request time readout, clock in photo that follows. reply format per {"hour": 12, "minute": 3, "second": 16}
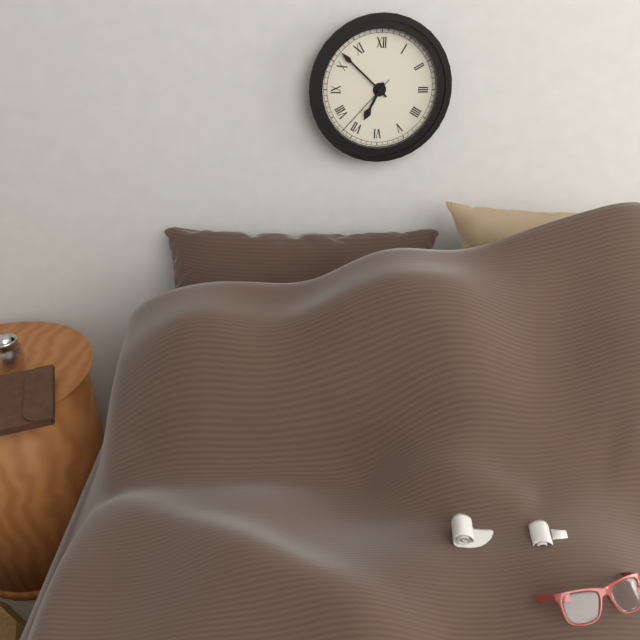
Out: {"hour": 6, "minute": 52, "second": 37}
